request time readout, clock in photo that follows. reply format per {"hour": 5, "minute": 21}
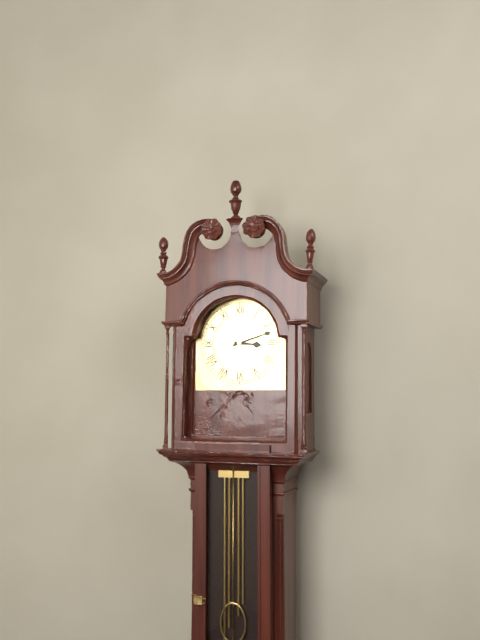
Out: {"hour": 3, "minute": 12}
